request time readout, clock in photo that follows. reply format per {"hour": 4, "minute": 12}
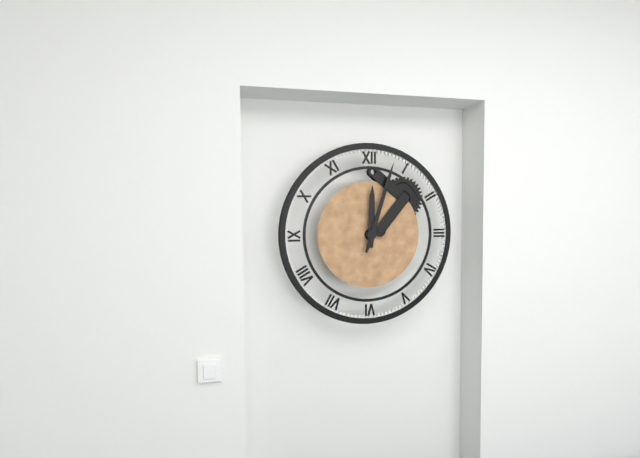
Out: {"hour": 12, "minute": 3}
